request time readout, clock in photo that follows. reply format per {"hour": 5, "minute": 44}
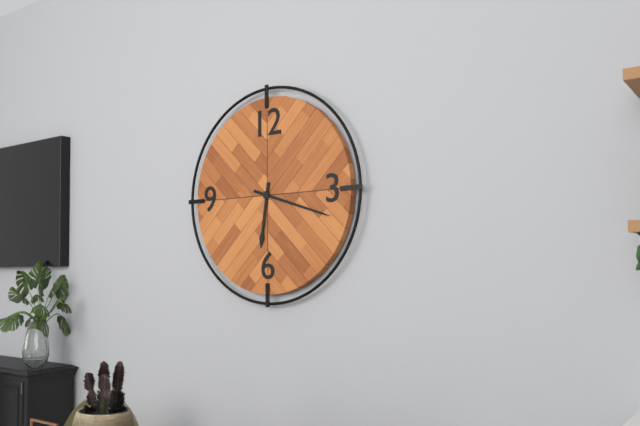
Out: {"hour": 6, "minute": 18}
